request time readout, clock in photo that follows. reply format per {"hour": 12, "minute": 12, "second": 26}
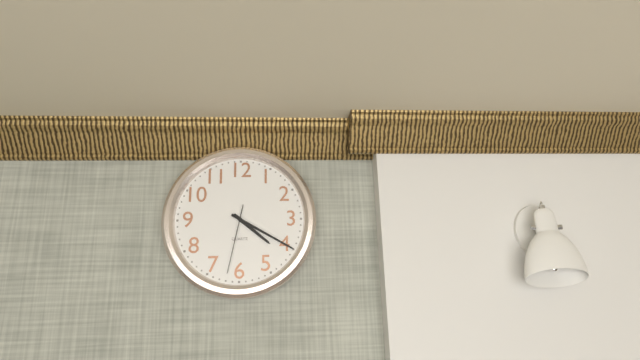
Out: {"hour": 4, "minute": 20, "second": 32}
